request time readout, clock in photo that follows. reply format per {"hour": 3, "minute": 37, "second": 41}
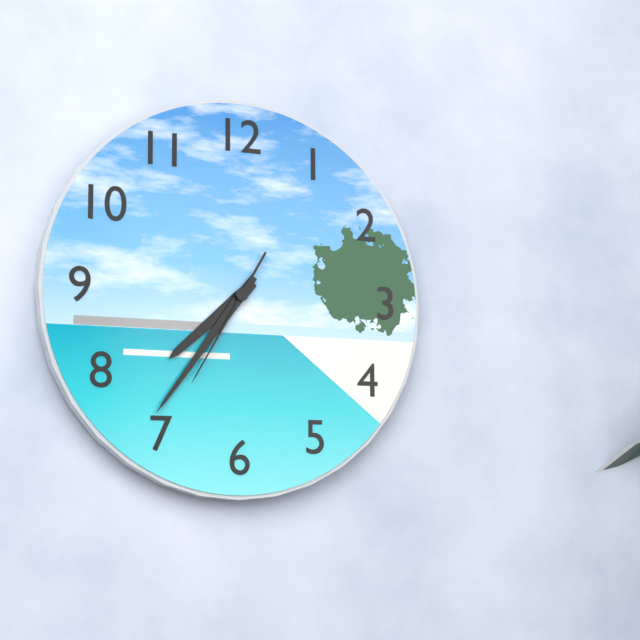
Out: {"hour": 7, "minute": 36, "second": 35}
